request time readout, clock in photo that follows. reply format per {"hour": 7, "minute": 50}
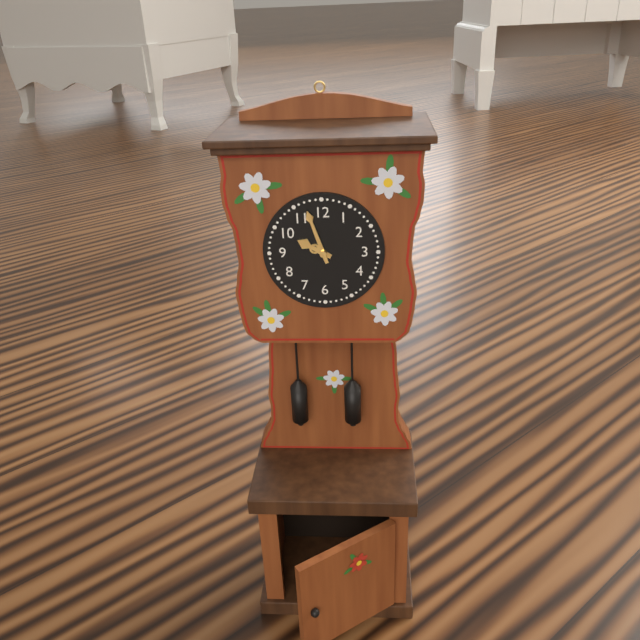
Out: {"hour": 9, "minute": 57}
